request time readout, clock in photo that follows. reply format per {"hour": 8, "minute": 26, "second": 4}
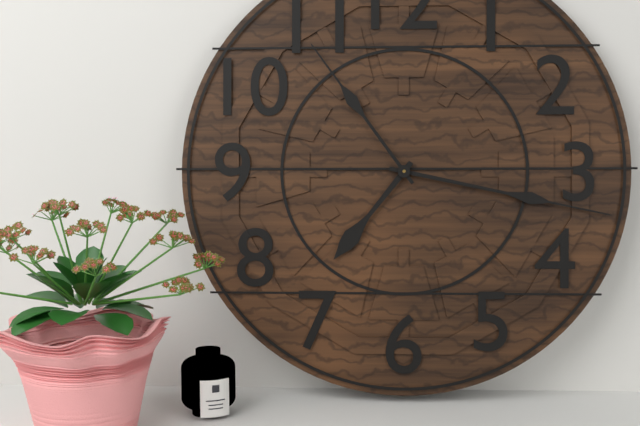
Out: {"hour": 7, "minute": 17, "second": 54}
